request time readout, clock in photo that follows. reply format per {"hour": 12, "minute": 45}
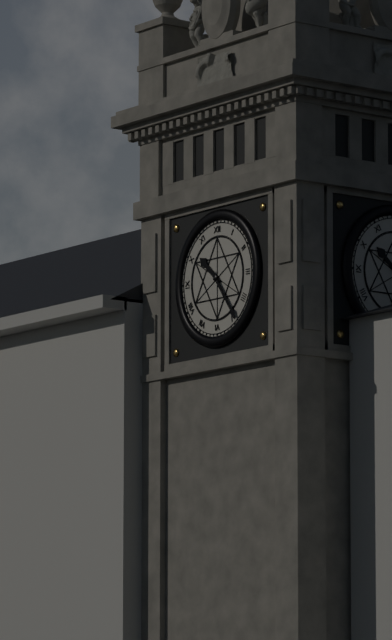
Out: {"hour": 10, "minute": 24}
